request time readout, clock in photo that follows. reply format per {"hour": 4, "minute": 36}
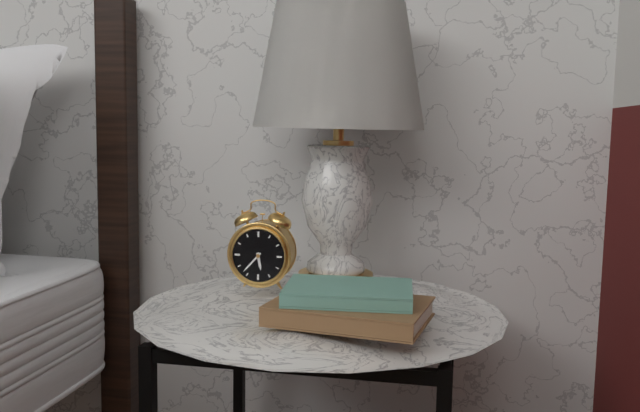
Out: {"hour": 5, "minute": 37}
